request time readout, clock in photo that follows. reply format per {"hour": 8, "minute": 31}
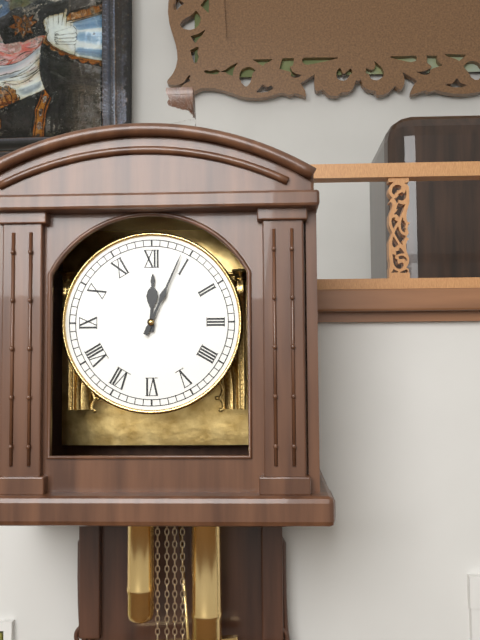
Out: {"hour": 12, "minute": 4}
